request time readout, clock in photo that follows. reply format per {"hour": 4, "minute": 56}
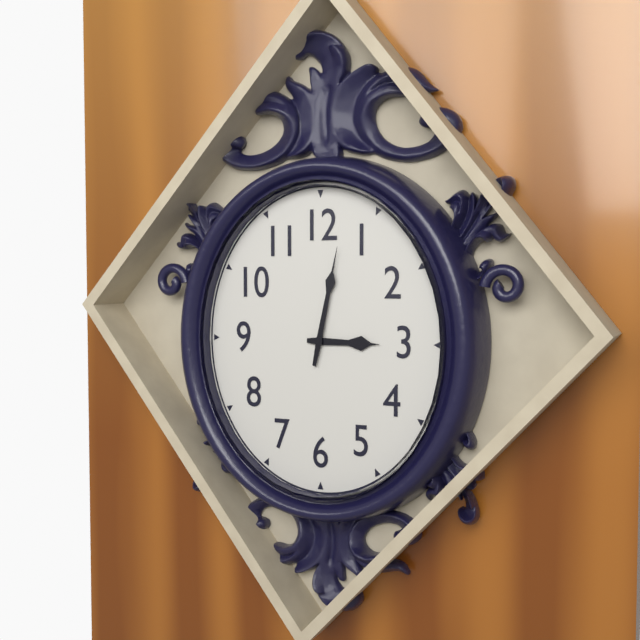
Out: {"hour": 3, "minute": 2}
